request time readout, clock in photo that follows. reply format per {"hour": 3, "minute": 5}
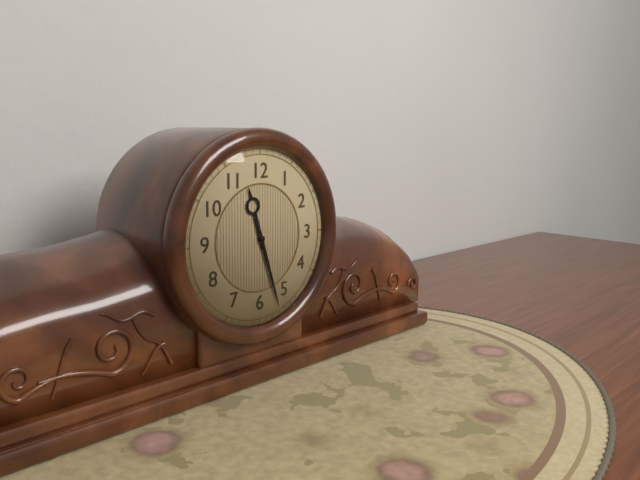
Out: {"hour": 11, "minute": 27}
